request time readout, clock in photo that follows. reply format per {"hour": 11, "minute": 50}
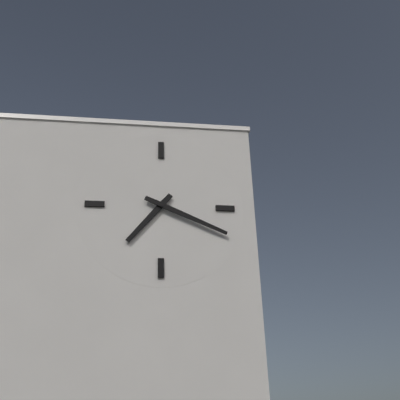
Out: {"hour": 7, "minute": 19}
